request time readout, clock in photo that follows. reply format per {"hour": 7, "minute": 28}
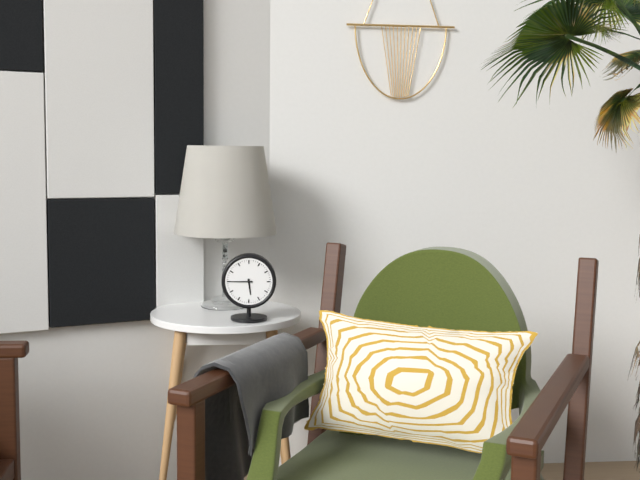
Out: {"hour": 5, "minute": 45}
